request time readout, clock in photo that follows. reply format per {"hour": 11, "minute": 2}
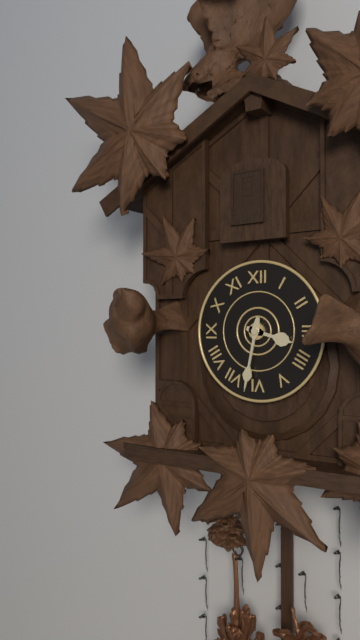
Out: {"hour": 3, "minute": 32}
